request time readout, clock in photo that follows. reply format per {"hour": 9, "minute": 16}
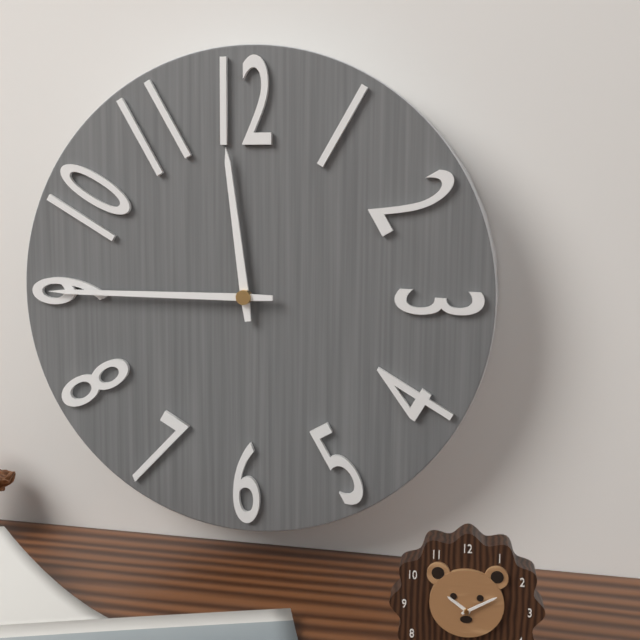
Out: {"hour": 11, "minute": 45}
